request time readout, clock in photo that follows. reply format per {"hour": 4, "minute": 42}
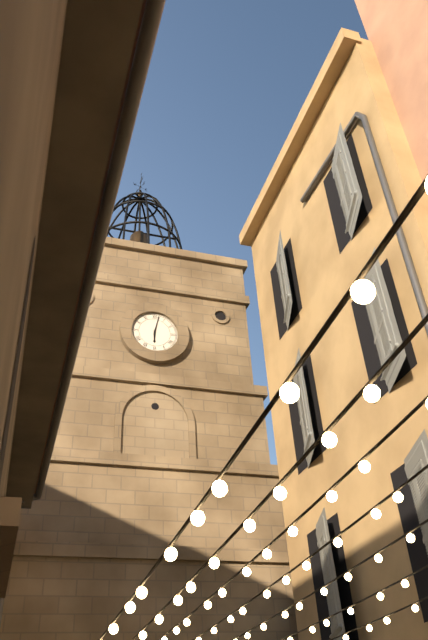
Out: {"hour": 6, "minute": 2}
